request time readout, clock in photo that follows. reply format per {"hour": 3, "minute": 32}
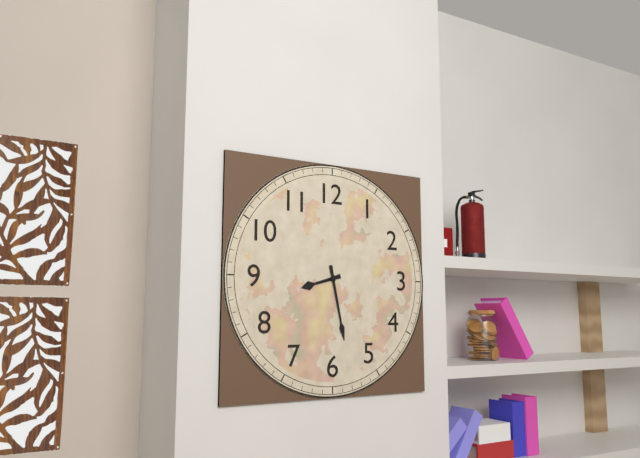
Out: {"hour": 8, "minute": 28}
